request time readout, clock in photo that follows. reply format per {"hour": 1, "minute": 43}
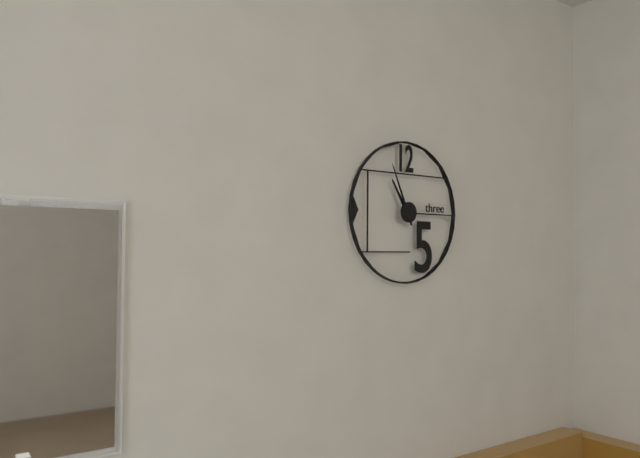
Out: {"hour": 10, "minute": 56}
